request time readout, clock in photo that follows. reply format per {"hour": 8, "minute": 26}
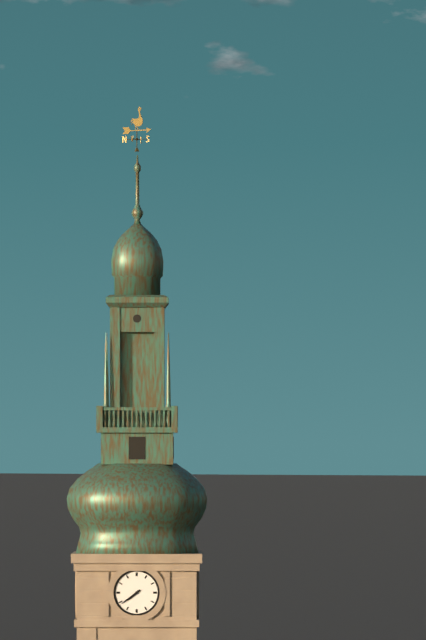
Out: {"hour": 7, "minute": 39}
